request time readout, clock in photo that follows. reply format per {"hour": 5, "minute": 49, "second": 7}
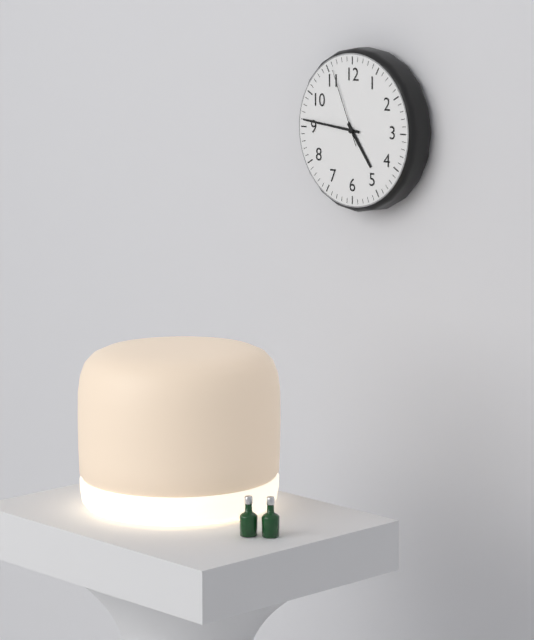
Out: {"hour": 4, "minute": 46, "second": 56}
